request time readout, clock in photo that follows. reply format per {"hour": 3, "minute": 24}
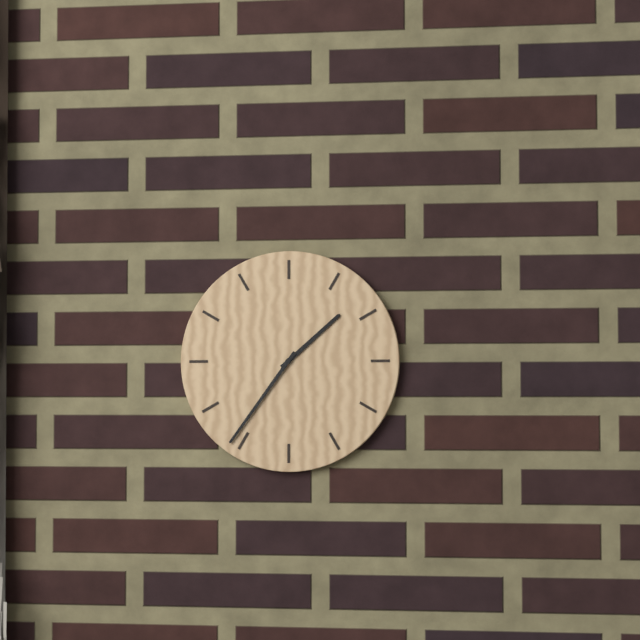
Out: {"hour": 1, "minute": 36}
